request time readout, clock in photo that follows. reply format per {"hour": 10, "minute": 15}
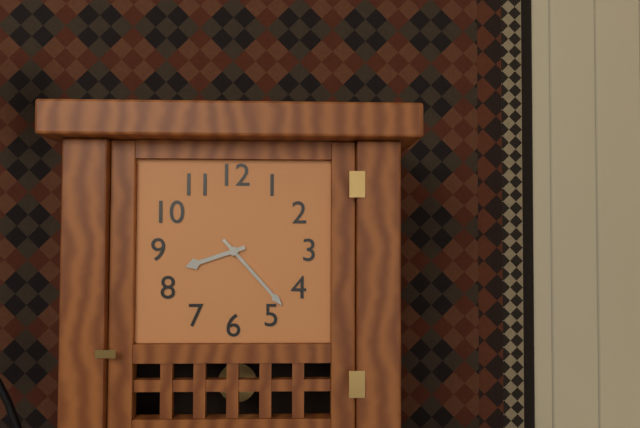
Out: {"hour": 8, "minute": 23}
